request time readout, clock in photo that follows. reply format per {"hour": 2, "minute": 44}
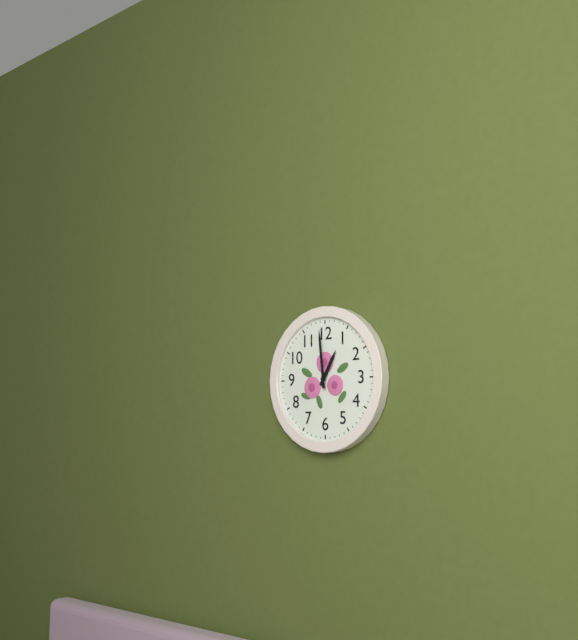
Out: {"hour": 12, "minute": 59}
